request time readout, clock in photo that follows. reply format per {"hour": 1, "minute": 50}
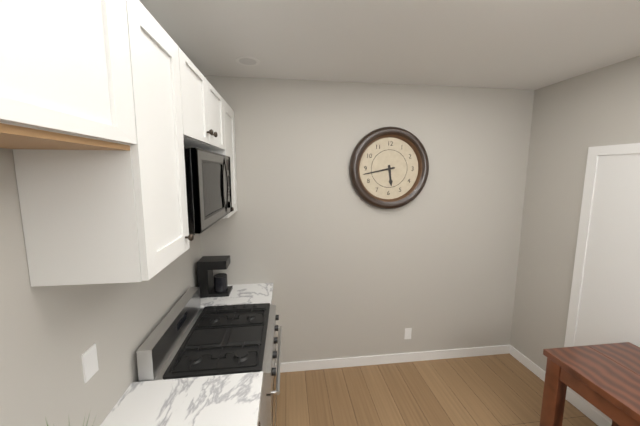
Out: {"hour": 5, "minute": 43}
